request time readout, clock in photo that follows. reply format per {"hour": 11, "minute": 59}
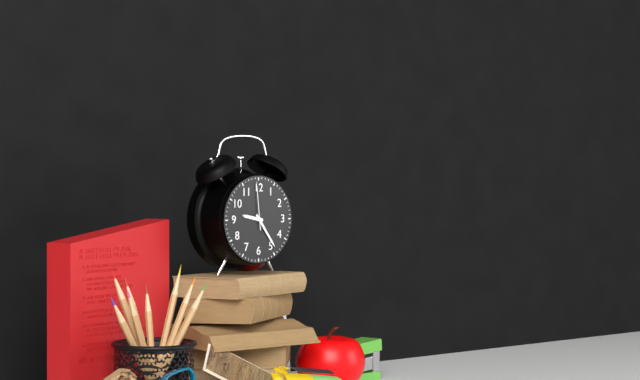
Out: {"hour": 9, "minute": 24}
